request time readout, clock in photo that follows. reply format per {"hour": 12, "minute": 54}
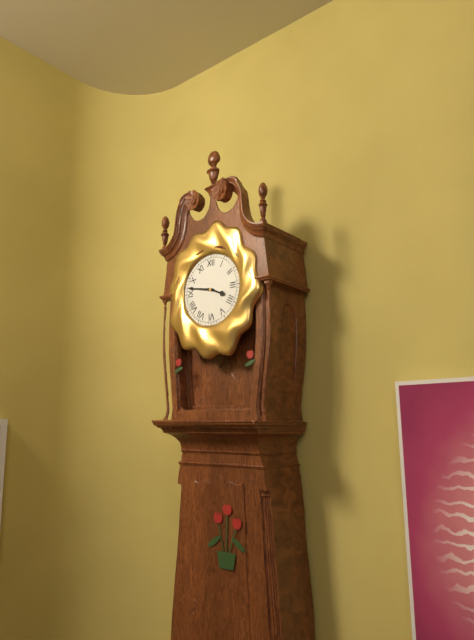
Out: {"hour": 3, "minute": 47}
